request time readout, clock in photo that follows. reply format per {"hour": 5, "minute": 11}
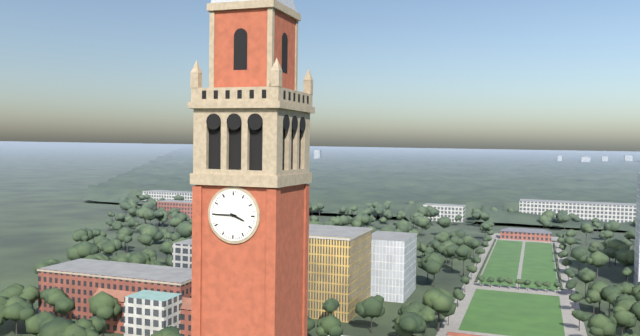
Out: {"hour": 3, "minute": 45}
